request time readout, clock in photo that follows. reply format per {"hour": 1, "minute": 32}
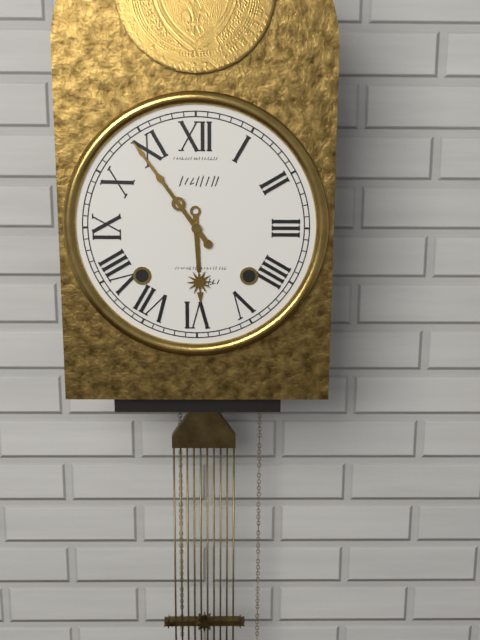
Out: {"hour": 5, "minute": 54}
